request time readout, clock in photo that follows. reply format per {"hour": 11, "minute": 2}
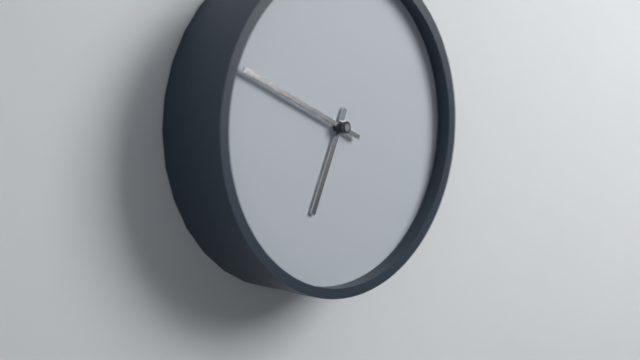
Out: {"hour": 6, "minute": 49}
